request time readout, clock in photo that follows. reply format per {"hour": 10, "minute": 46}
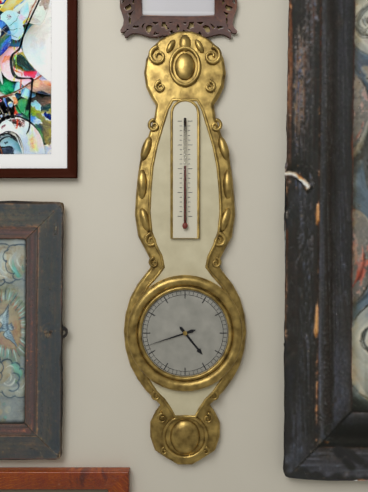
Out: {"hour": 4, "minute": 42}
